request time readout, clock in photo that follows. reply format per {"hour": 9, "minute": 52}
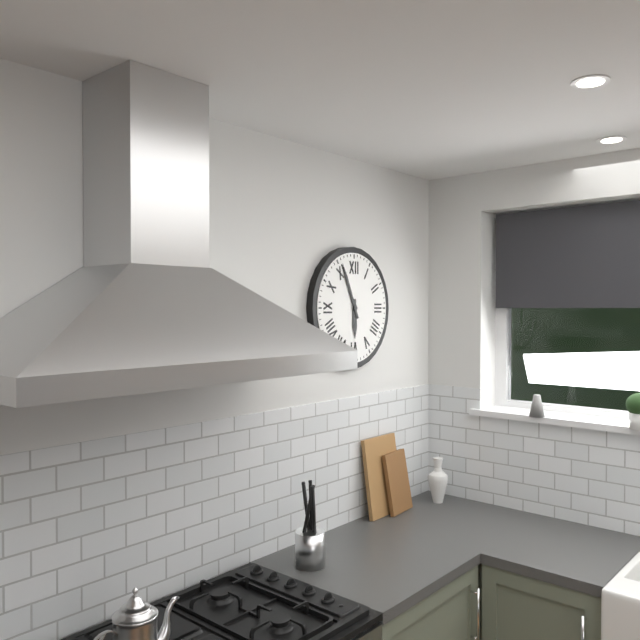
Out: {"hour": 5, "minute": 56}
